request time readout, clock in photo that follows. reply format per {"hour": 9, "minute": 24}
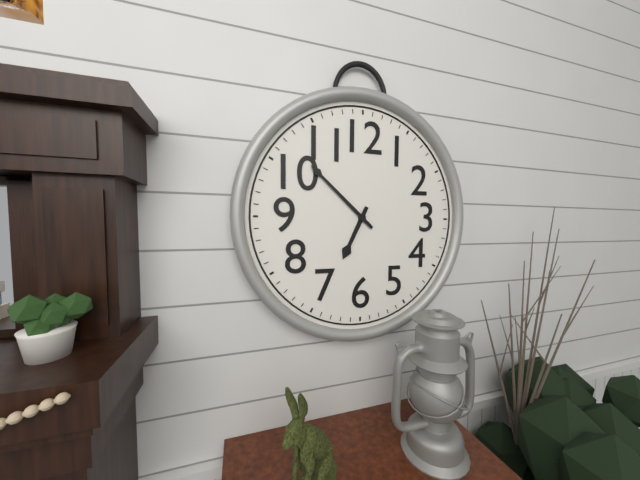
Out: {"hour": 6, "minute": 52}
